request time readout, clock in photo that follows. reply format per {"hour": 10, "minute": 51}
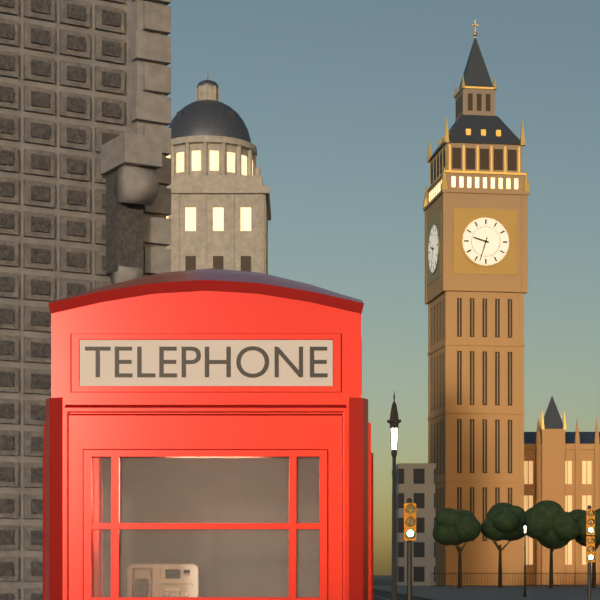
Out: {"hour": 9, "minute": 33}
